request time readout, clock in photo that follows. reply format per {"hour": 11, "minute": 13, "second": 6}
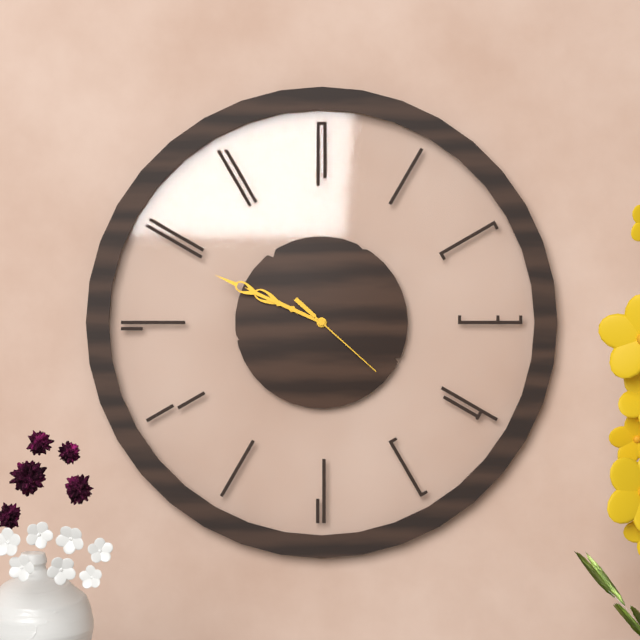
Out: {"hour": 9, "minute": 49, "second": 22}
